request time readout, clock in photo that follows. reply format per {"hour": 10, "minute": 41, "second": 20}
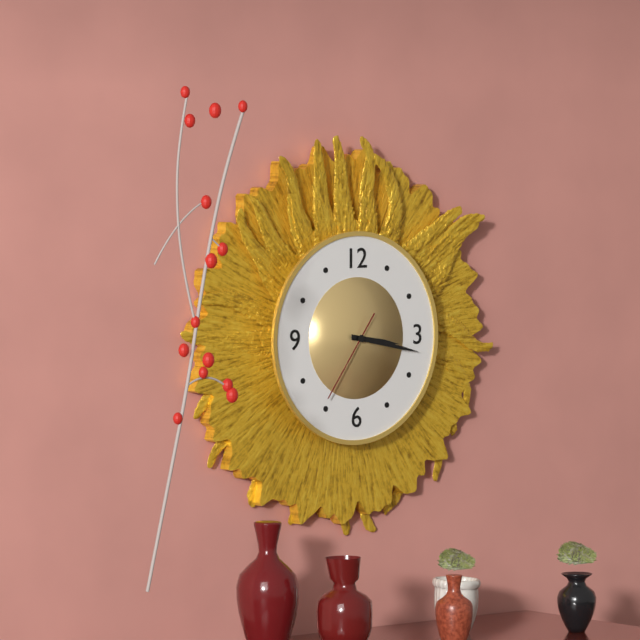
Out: {"hour": 3, "minute": 17, "second": 36}
